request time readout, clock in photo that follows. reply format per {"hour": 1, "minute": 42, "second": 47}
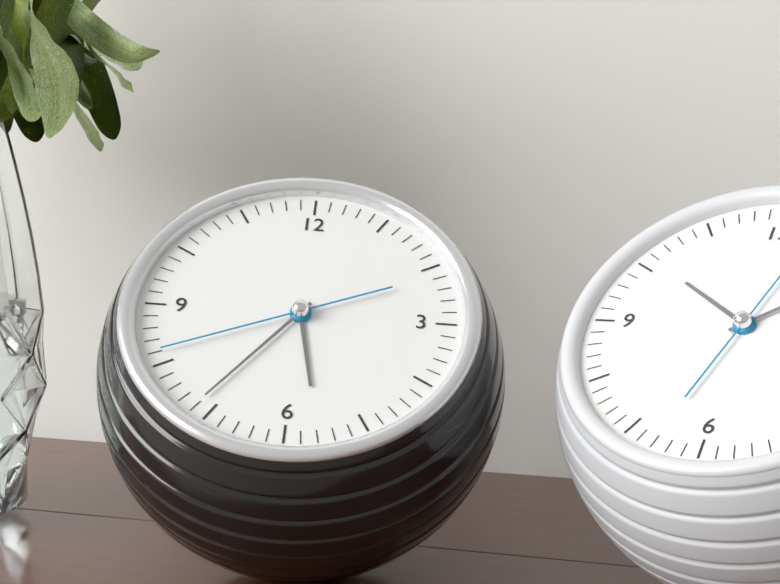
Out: {"hour": 5, "minute": 36, "second": 41}
